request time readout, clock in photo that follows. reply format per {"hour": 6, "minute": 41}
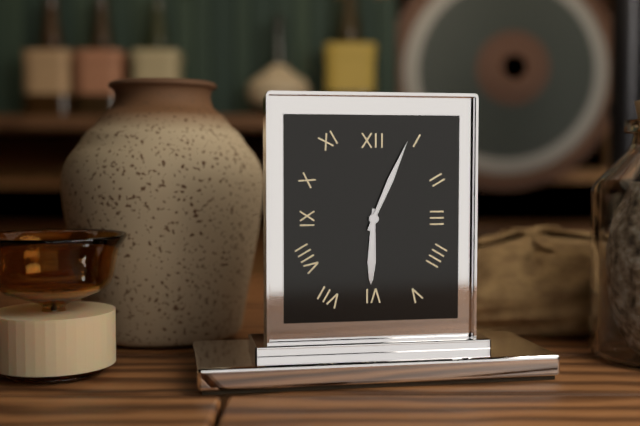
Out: {"hour": 6, "minute": 4}
